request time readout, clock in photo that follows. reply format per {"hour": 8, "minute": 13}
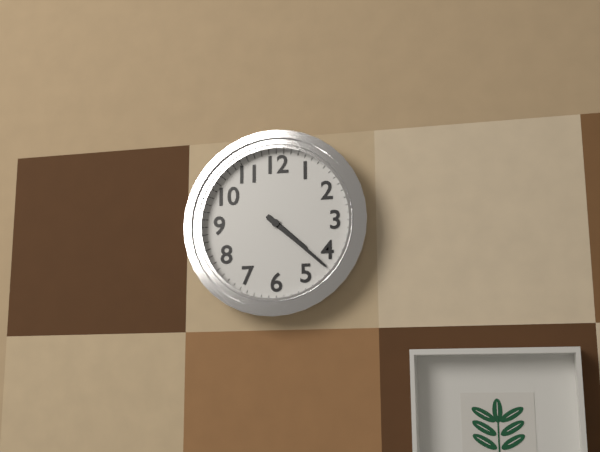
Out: {"hour": 4, "minute": 22}
